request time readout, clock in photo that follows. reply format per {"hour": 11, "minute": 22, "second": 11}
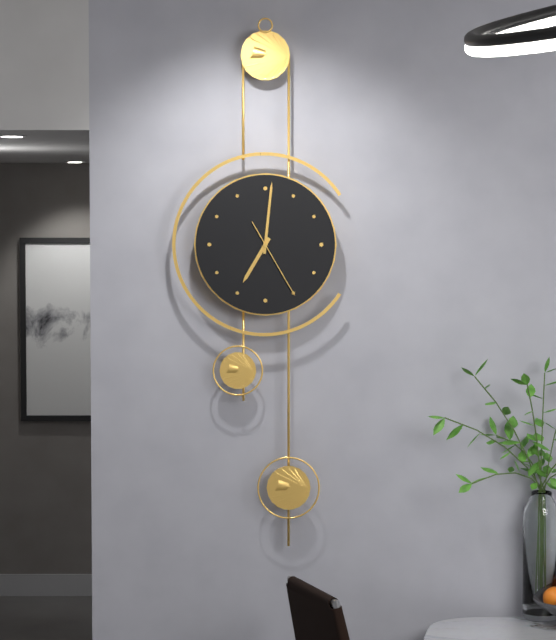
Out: {"hour": 7, "minute": 1, "second": 25}
